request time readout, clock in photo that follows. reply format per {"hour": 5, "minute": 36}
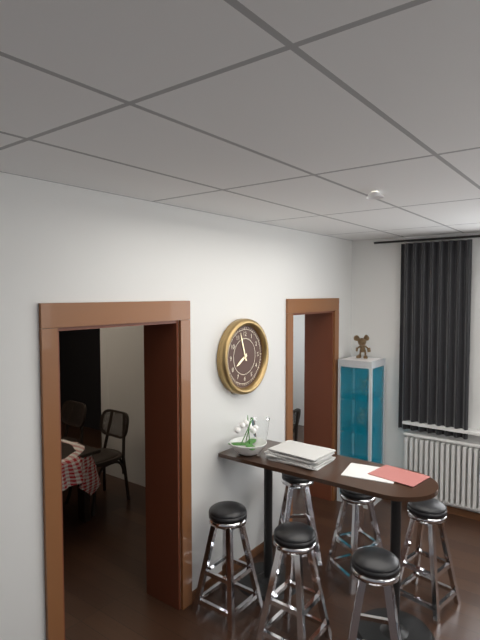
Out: {"hour": 7, "minute": 57}
